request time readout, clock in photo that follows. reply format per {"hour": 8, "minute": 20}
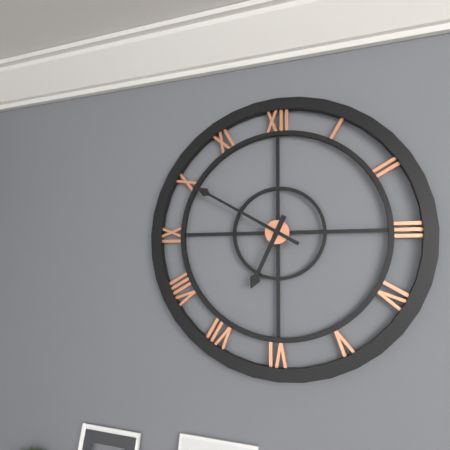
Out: {"hour": 6, "minute": 50}
